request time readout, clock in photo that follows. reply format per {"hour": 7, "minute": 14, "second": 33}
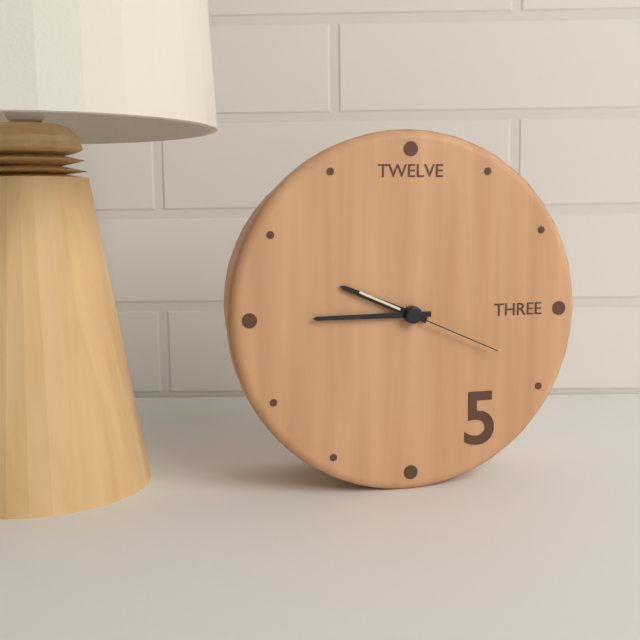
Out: {"hour": 9, "minute": 45, "second": 19}
